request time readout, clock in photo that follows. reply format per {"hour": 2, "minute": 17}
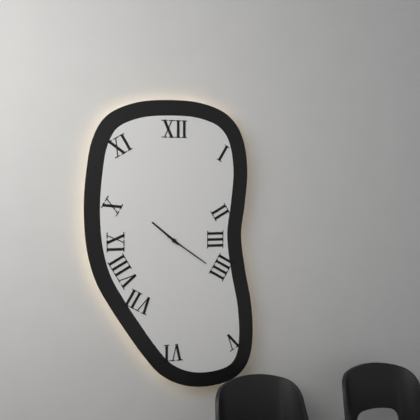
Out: {"hour": 10, "minute": 21}
